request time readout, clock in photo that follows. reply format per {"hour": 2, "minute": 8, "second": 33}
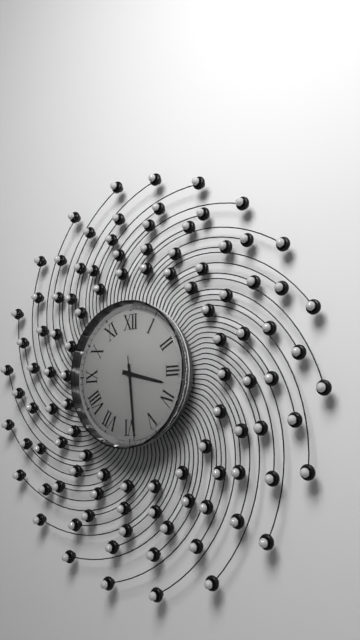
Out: {"hour": 3, "minute": 29, "second": 29}
